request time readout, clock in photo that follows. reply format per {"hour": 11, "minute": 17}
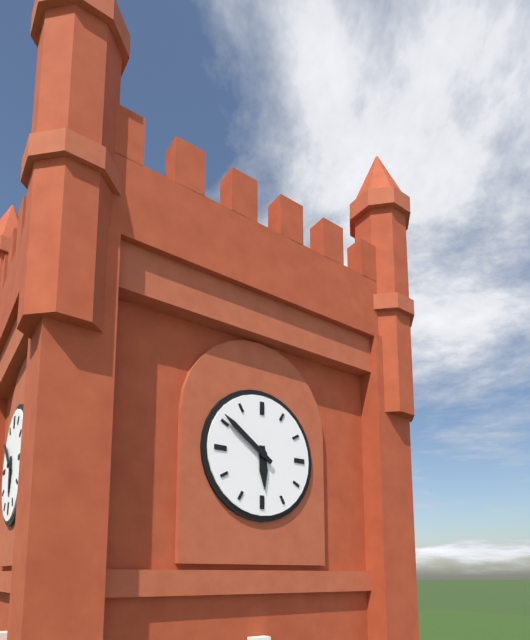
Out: {"hour": 5, "minute": 51}
